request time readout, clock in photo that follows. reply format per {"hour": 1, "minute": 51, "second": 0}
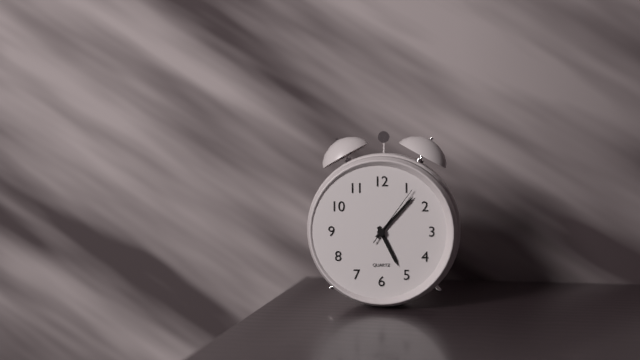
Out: {"hour": 5, "minute": 7, "second": 6}
